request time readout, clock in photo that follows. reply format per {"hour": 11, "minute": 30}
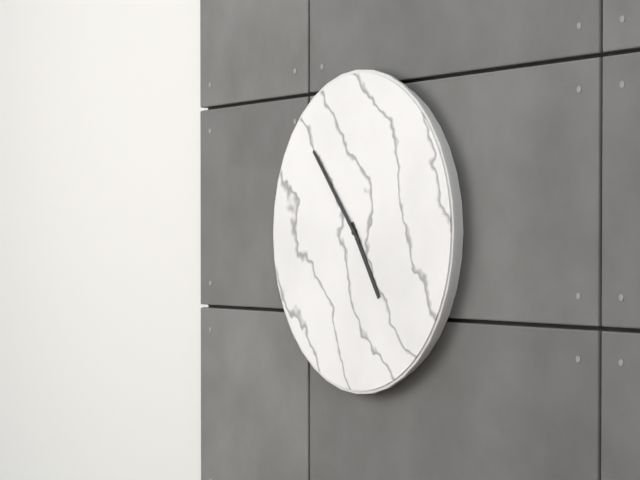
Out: {"hour": 4, "minute": 53}
